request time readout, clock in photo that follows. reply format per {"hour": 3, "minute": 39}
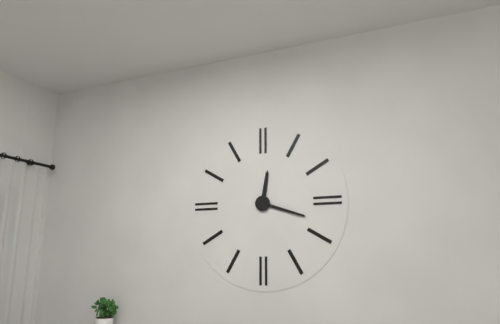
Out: {"hour": 12, "minute": 18}
